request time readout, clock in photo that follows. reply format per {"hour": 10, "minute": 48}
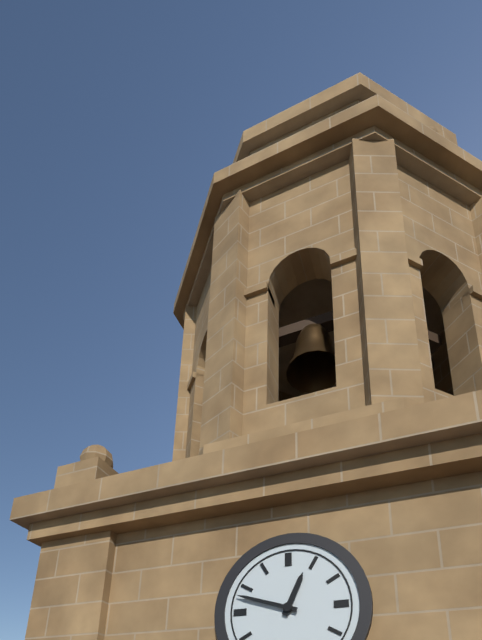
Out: {"hour": 12, "minute": 48}
